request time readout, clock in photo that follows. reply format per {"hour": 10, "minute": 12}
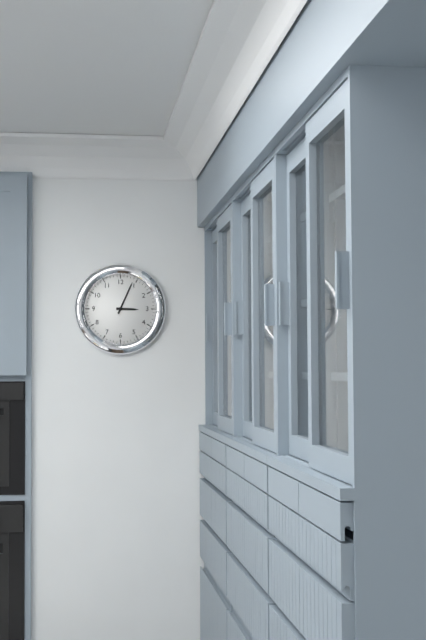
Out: {"hour": 3, "minute": 4}
